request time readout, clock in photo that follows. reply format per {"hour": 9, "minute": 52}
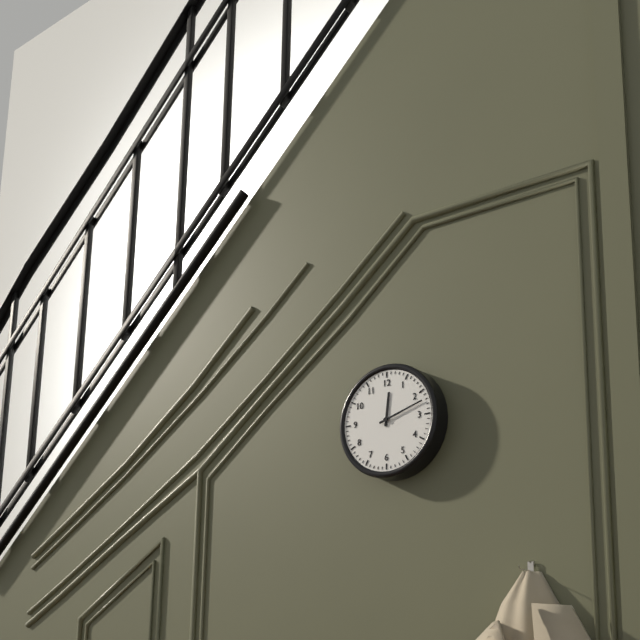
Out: {"hour": 12, "minute": 12}
